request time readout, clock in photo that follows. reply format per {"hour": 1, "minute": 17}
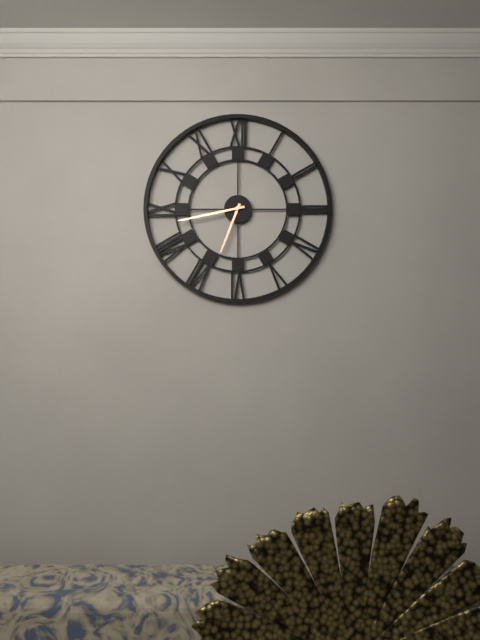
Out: {"hour": 6, "minute": 43}
